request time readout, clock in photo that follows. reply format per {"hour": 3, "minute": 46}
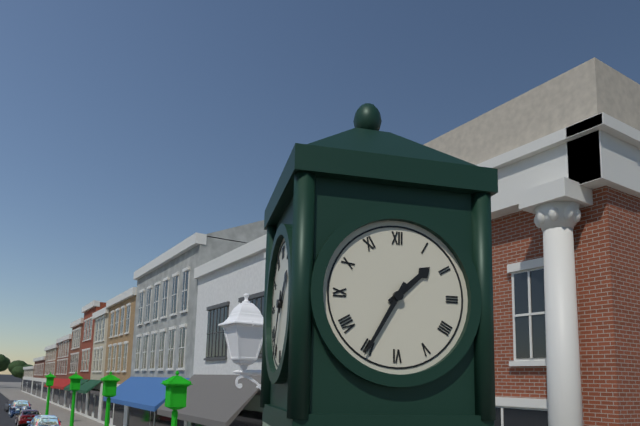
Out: {"hour": 1, "minute": 35}
